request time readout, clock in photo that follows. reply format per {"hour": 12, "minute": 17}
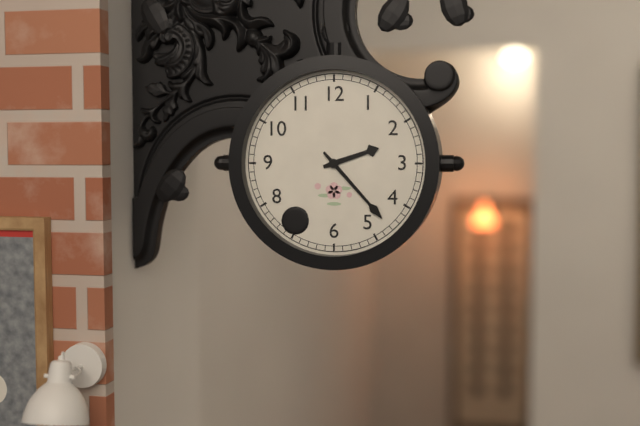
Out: {"hour": 2, "minute": 23}
